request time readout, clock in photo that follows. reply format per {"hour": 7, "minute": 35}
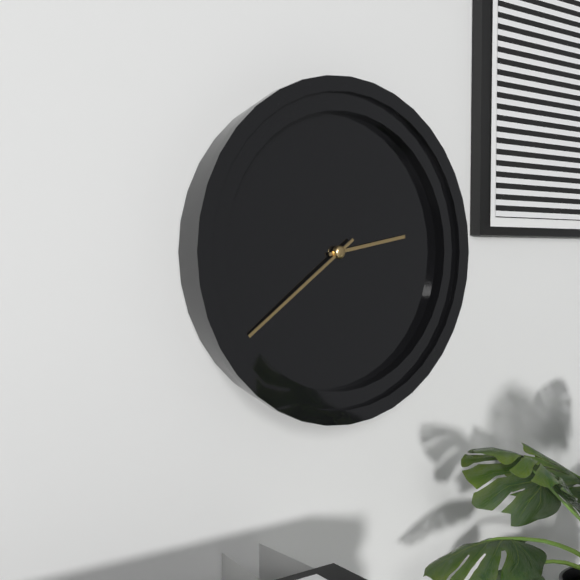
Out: {"hour": 2, "minute": 39}
